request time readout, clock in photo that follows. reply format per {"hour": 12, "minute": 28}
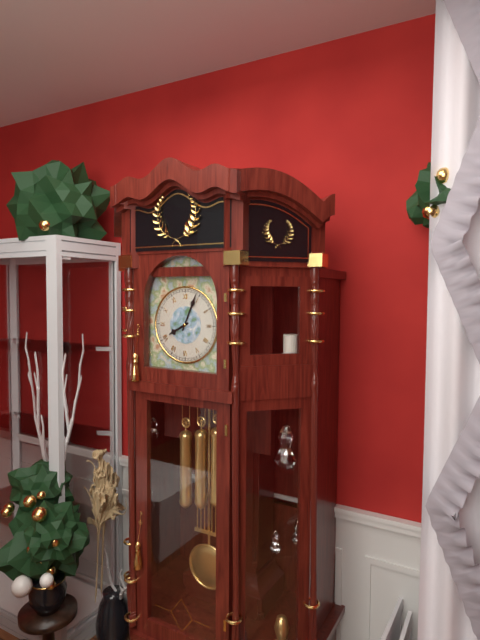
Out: {"hour": 8, "minute": 4}
